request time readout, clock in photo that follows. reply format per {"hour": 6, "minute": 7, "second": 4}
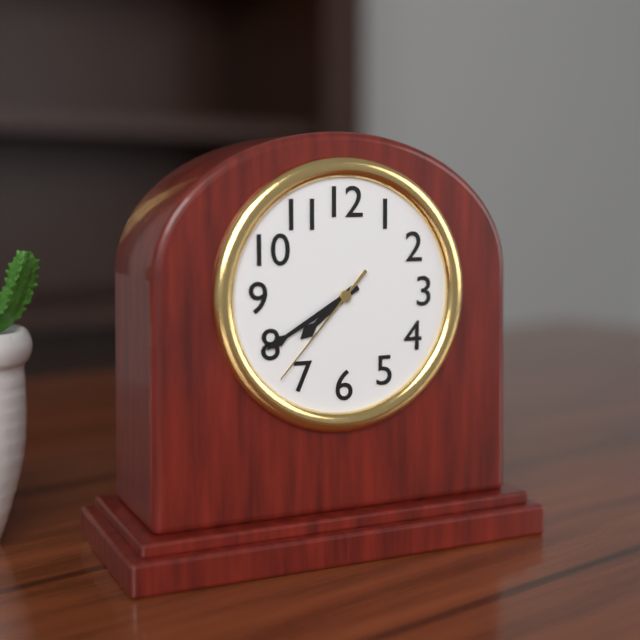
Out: {"hour": 7, "minute": 40, "second": 37}
